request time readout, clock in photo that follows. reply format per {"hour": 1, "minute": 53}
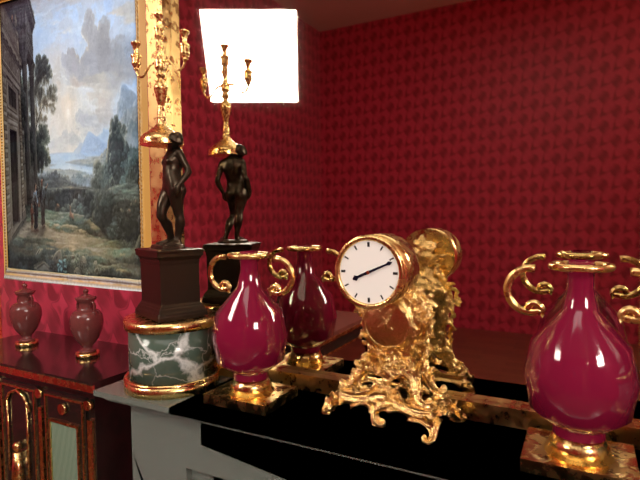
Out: {"hour": 8, "minute": 11}
